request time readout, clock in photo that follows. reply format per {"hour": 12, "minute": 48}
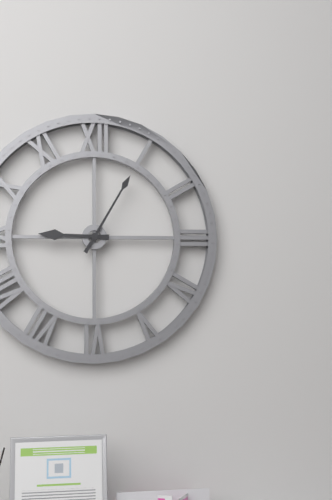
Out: {"hour": 9, "minute": 5}
